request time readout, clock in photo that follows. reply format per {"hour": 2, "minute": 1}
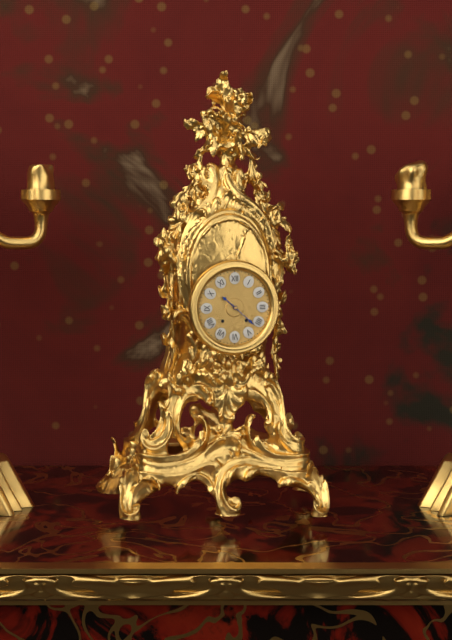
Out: {"hour": 10, "minute": 22}
